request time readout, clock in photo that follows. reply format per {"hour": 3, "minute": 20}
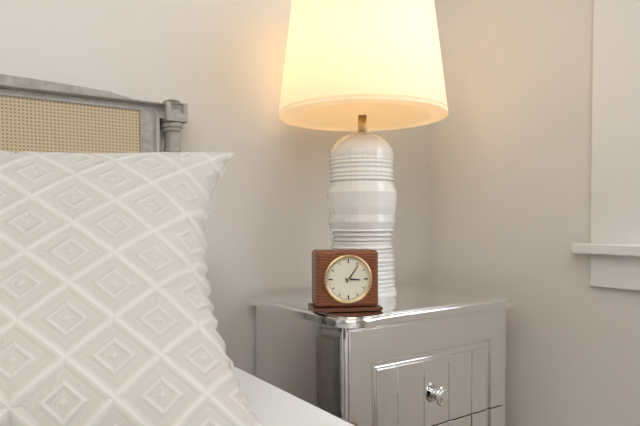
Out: {"hour": 3, "minute": 6}
